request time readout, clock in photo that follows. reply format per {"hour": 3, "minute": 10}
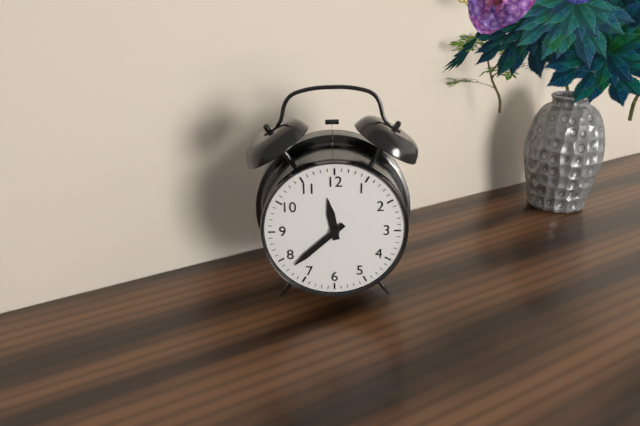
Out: {"hour": 11, "minute": 38}
